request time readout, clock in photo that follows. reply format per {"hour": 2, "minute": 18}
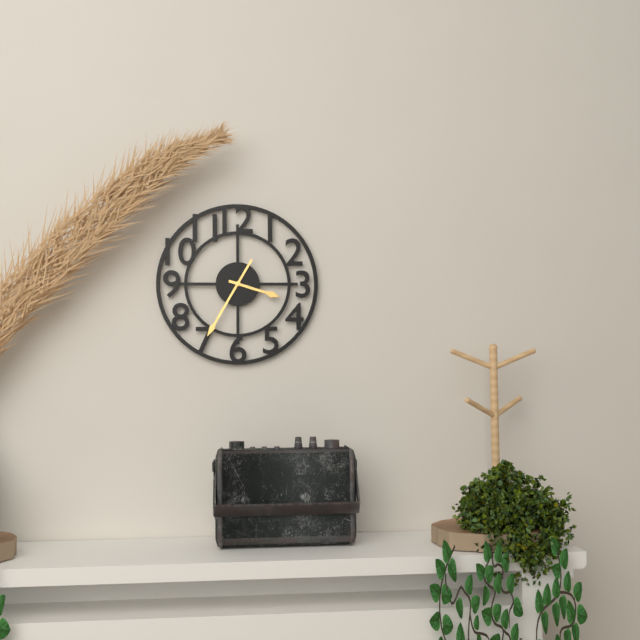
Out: {"hour": 3, "minute": 35}
